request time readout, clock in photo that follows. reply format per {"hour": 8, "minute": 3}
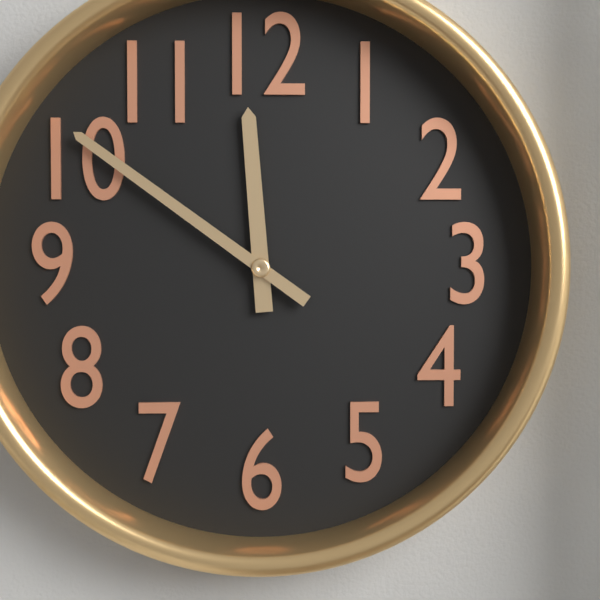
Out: {"hour": 11, "minute": 51}
